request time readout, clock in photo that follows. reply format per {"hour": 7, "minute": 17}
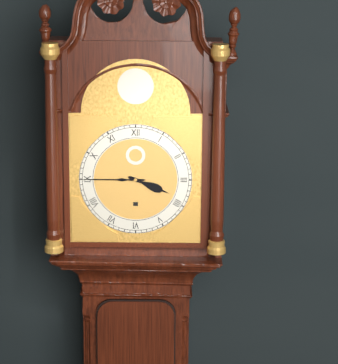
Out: {"hour": 3, "minute": 45}
